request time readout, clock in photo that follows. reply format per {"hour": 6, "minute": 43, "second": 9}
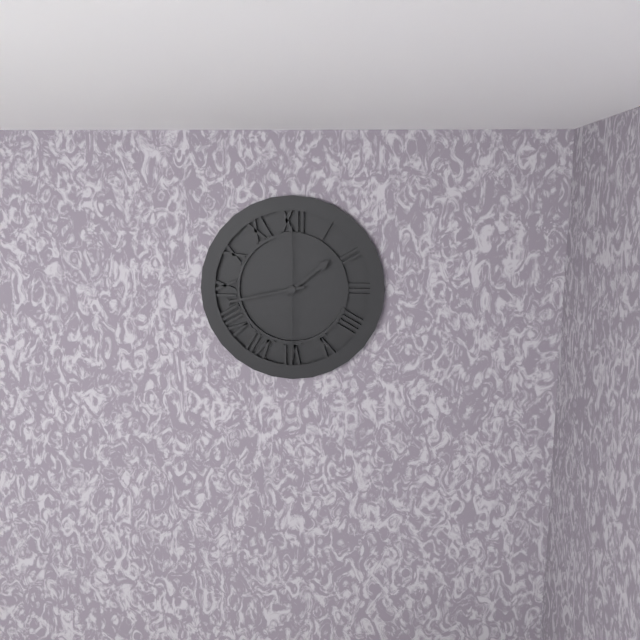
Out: {"hour": 1, "minute": 43, "second": 30}
